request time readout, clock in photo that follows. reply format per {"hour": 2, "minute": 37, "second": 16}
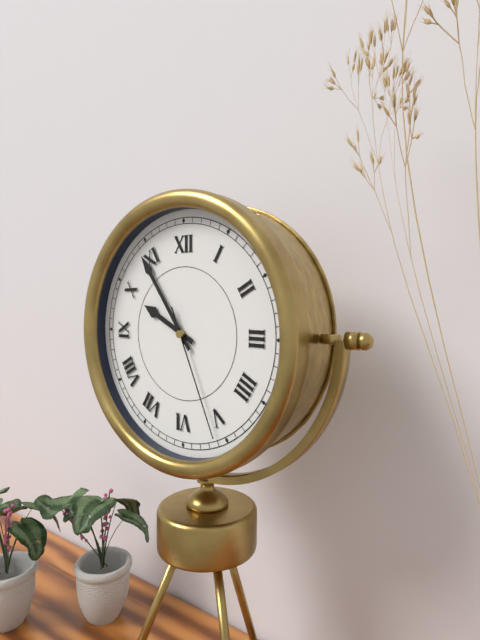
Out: {"hour": 9, "minute": 54, "second": 26}
